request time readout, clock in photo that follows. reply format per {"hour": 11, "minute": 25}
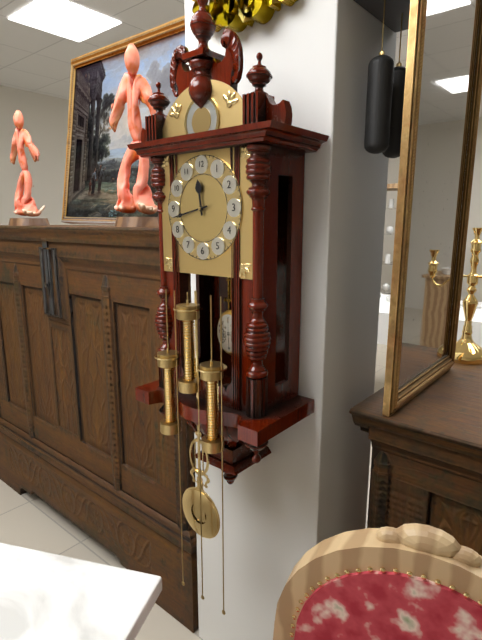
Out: {"hour": 11, "minute": 43}
